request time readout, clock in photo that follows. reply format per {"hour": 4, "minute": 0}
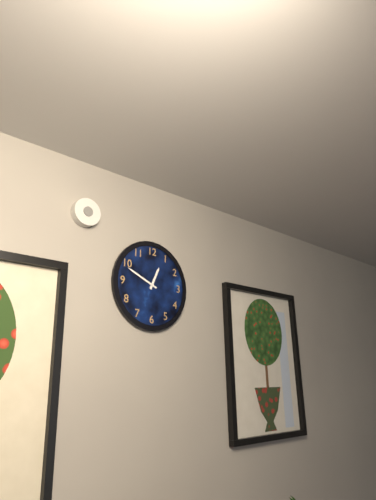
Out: {"hour": 12, "minute": 49}
